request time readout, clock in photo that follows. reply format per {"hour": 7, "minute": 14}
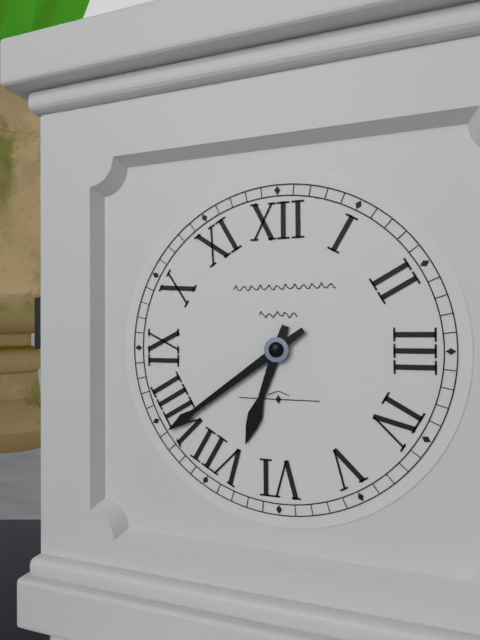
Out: {"hour": 6, "minute": 39}
